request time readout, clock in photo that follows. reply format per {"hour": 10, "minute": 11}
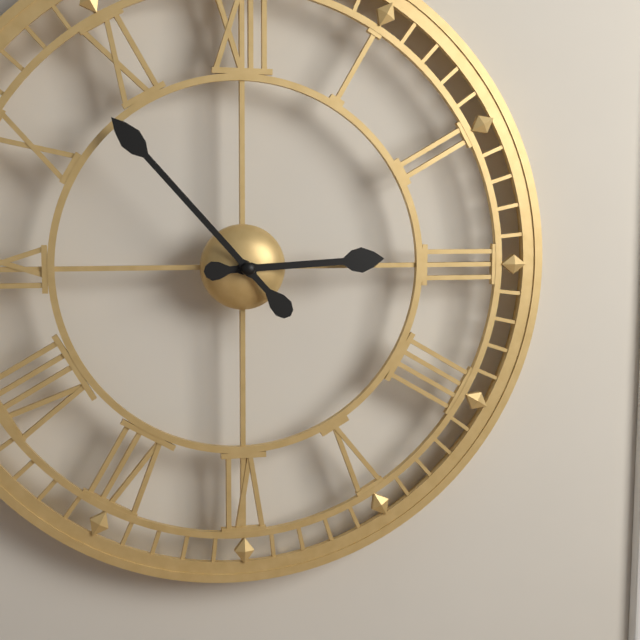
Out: {"hour": 2, "minute": 53}
